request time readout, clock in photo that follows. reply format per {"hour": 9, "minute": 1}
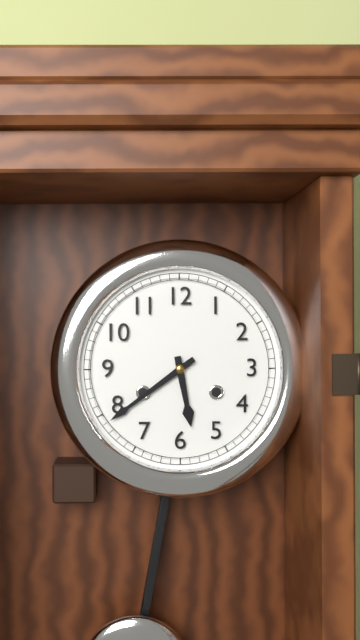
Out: {"hour": 5, "minute": 39}
